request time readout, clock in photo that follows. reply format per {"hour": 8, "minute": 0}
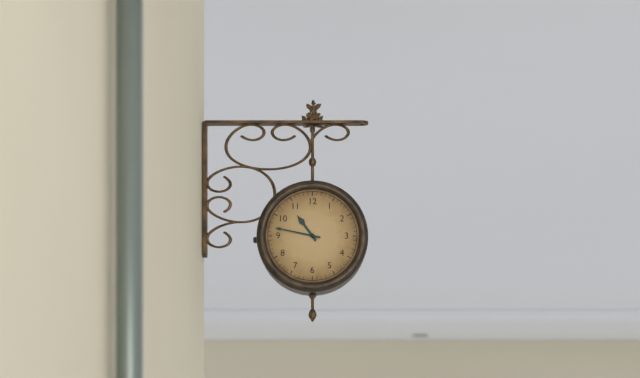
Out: {"hour": 10, "minute": 47}
